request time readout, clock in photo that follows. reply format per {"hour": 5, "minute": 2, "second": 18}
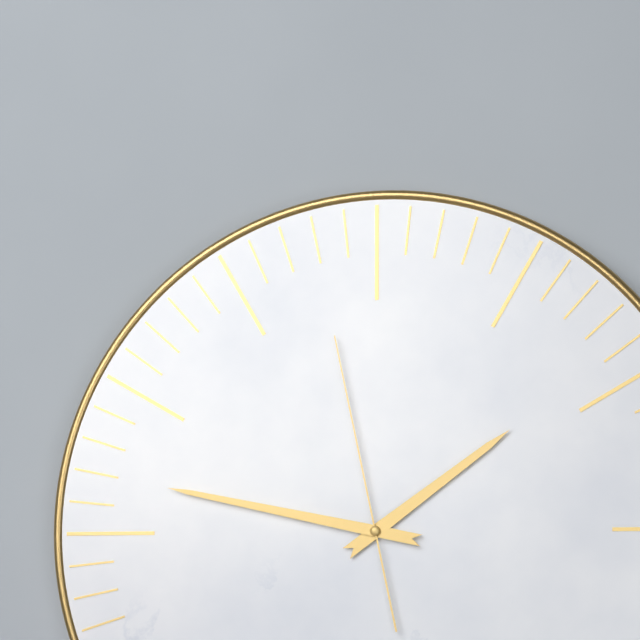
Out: {"hour": 1, "minute": 47, "second": 58}
